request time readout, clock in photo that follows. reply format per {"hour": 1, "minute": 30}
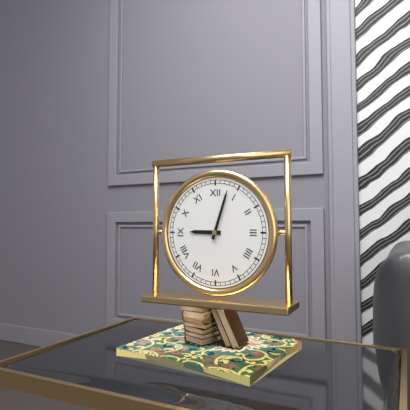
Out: {"hour": 9, "minute": 3}
